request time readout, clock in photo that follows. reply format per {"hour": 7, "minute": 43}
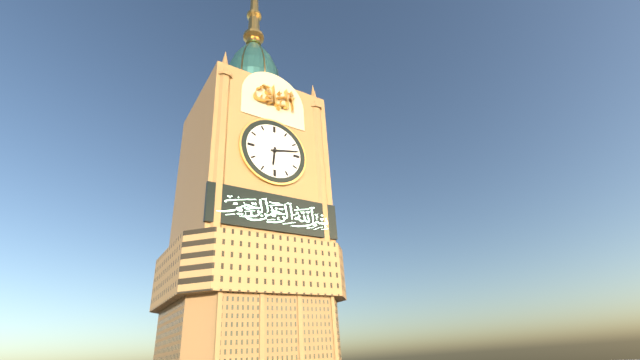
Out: {"hour": 6, "minute": 13}
